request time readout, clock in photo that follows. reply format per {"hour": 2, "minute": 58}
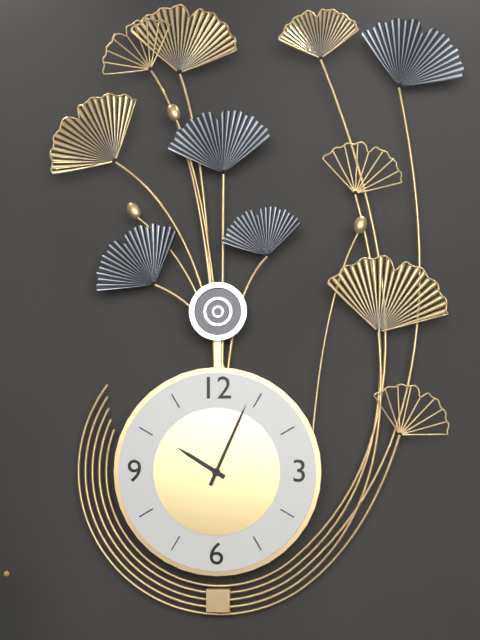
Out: {"hour": 10, "minute": 4}
